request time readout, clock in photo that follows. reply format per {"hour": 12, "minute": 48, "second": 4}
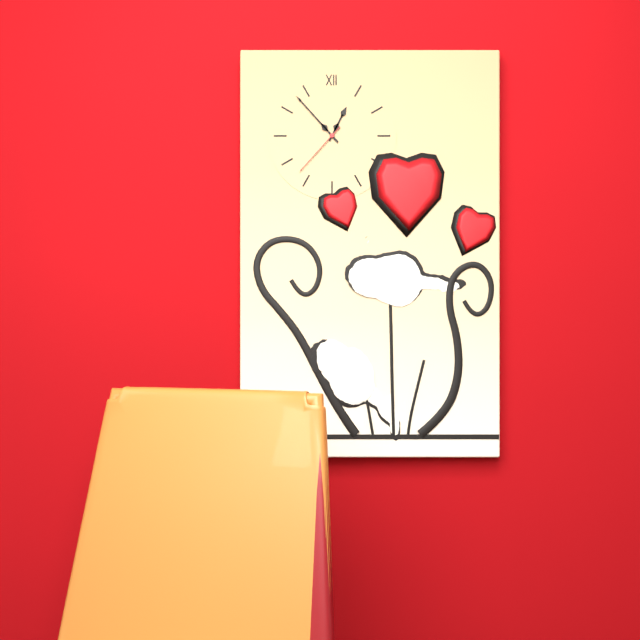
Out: {"hour": 12, "minute": 53, "second": 37}
